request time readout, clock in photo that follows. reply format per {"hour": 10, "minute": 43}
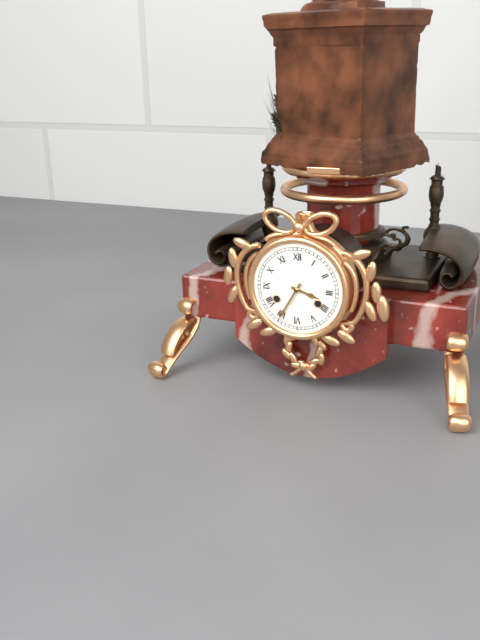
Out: {"hour": 3, "minute": 35}
